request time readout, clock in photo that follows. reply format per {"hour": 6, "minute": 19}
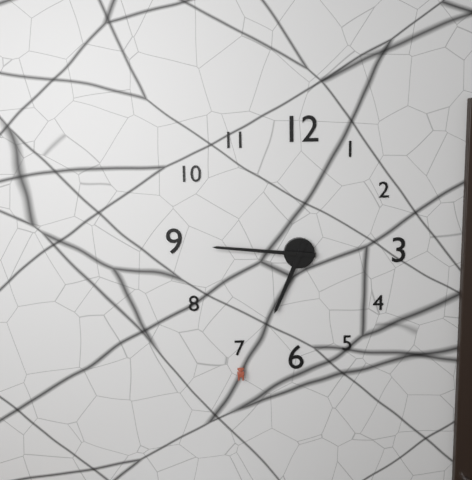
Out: {"hour": 6, "minute": 46}
